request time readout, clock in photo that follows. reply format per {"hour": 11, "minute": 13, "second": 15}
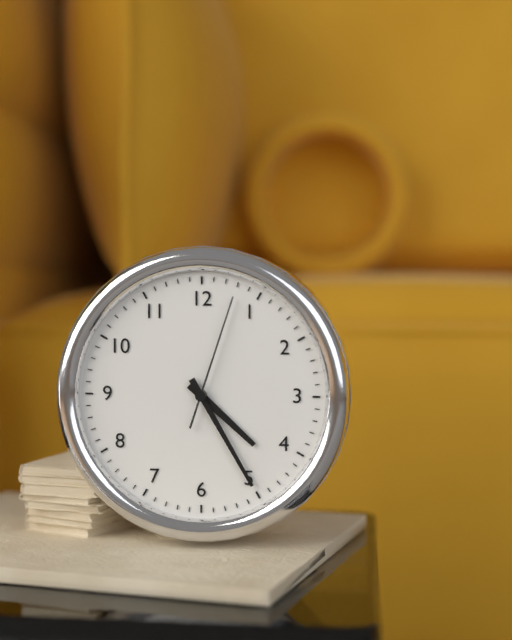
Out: {"hour": 4, "minute": 25, "second": 3}
